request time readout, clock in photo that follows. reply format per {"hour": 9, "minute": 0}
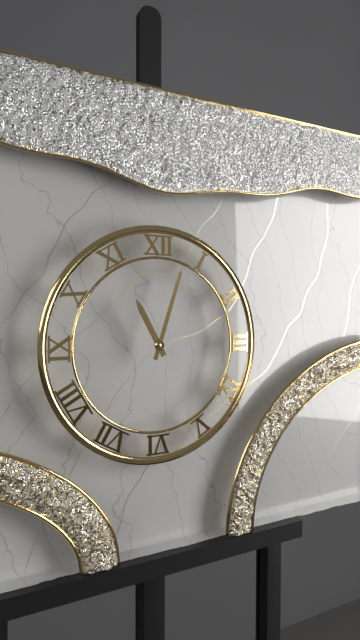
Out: {"hour": 11, "minute": 3}
